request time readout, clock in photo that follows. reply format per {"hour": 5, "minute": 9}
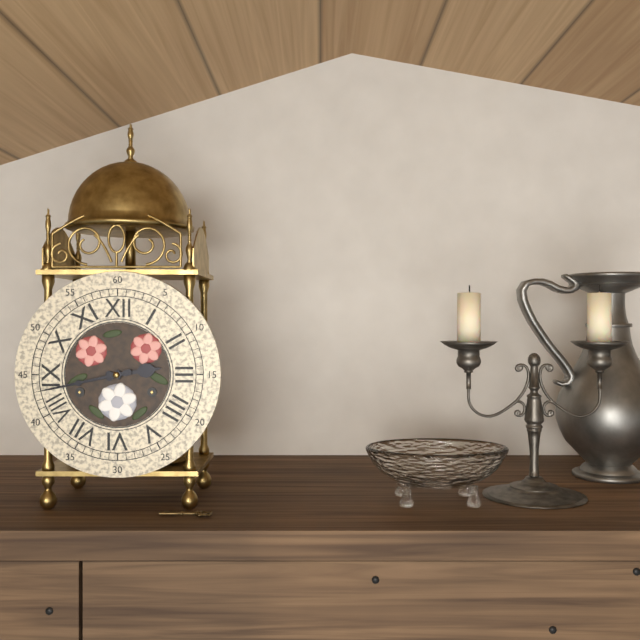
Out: {"hour": 2, "minute": 43}
